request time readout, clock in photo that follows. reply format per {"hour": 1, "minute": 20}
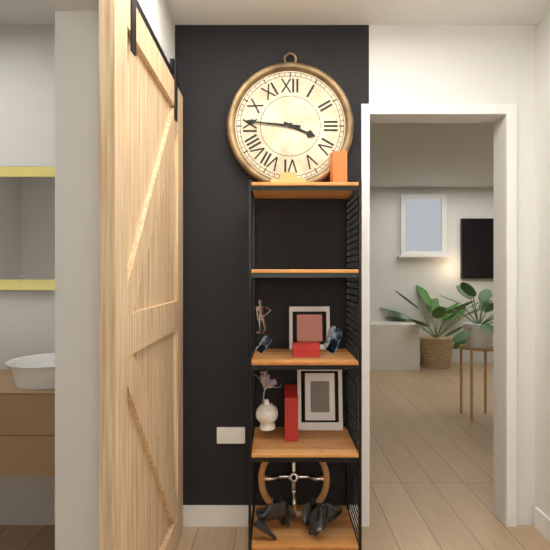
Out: {"hour": 3, "minute": 46}
